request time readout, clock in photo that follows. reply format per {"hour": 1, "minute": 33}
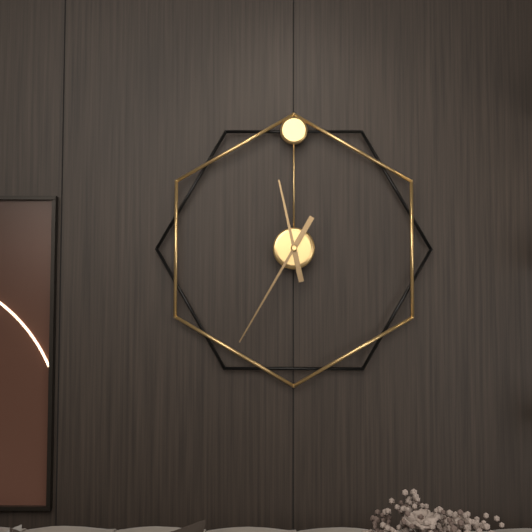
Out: {"hour": 11, "minute": 35}
